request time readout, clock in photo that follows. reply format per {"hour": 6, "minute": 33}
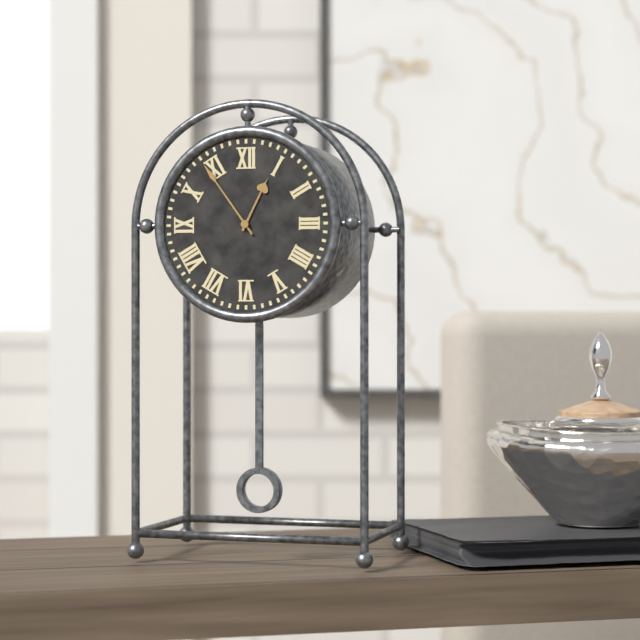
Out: {"hour": 12, "minute": 54}
